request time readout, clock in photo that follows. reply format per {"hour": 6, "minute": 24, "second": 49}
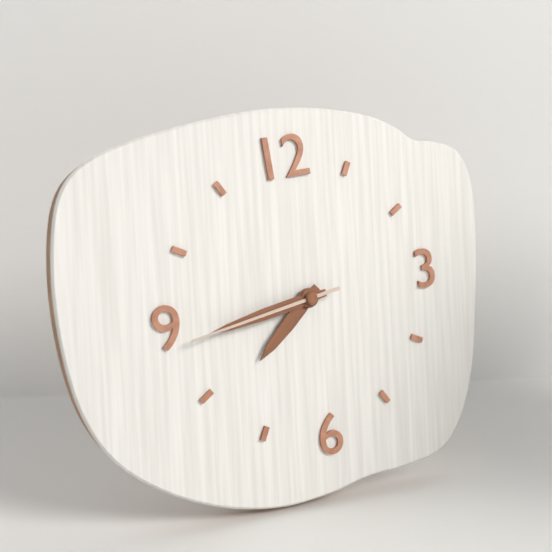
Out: {"hour": 7, "minute": 44, "second": 44}
